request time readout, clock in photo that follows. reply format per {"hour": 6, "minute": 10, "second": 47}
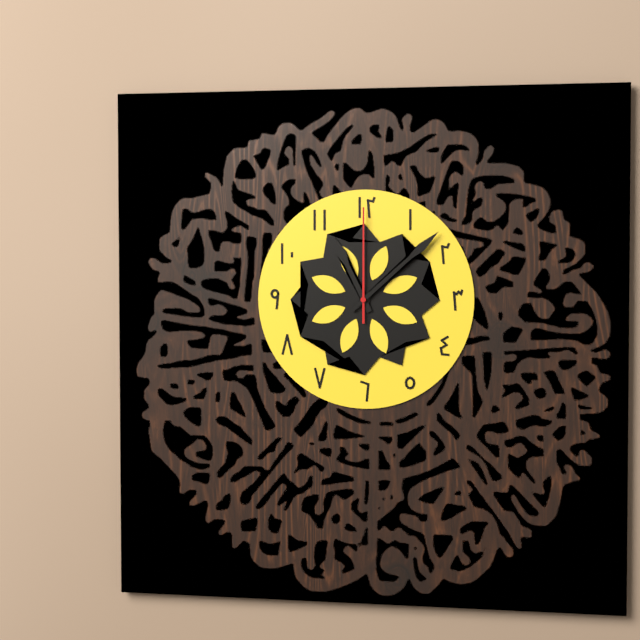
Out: {"hour": 11, "minute": 8, "second": 0}
